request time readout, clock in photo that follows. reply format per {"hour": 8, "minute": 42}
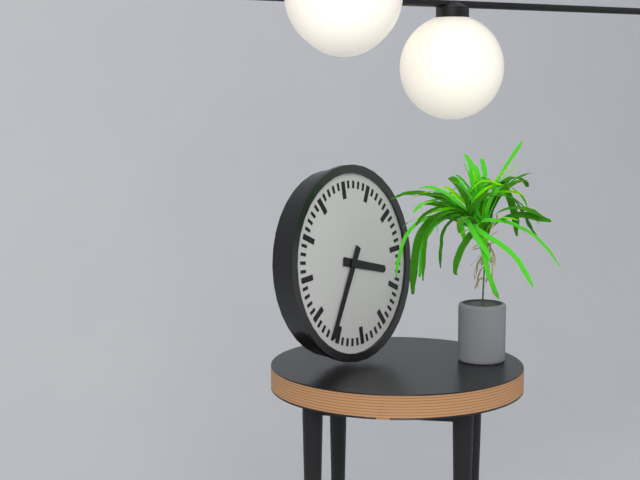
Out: {"hour": 3, "minute": 36}
